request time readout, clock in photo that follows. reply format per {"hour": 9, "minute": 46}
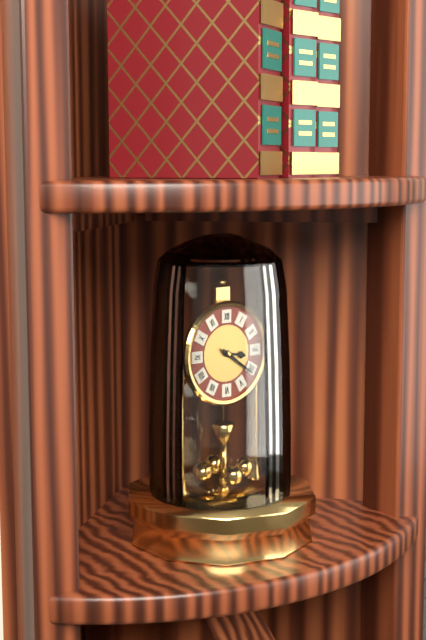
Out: {"hour": 3, "minute": 21}
